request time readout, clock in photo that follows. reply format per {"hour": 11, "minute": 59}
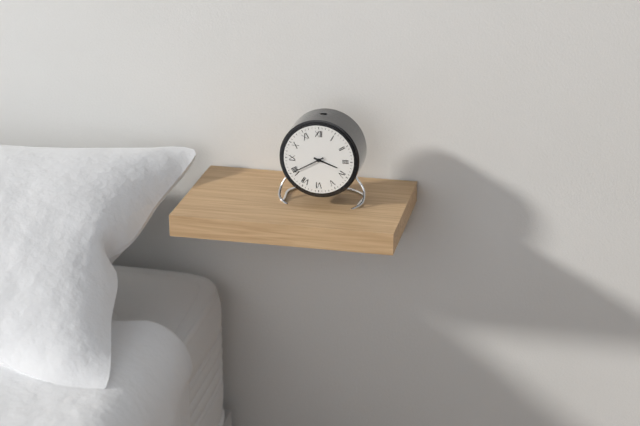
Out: {"hour": 3, "minute": 40}
